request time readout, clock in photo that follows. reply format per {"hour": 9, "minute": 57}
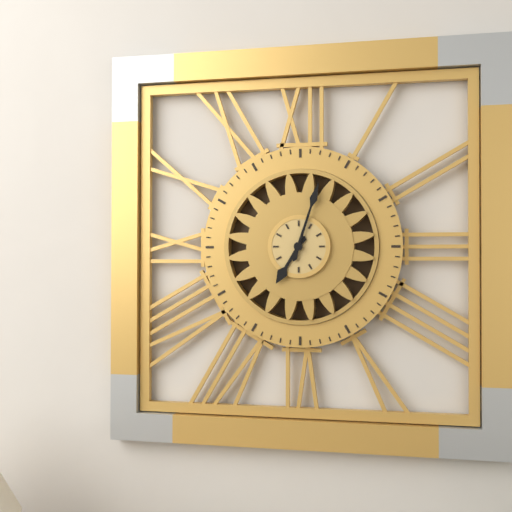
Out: {"hour": 7, "minute": 3}
